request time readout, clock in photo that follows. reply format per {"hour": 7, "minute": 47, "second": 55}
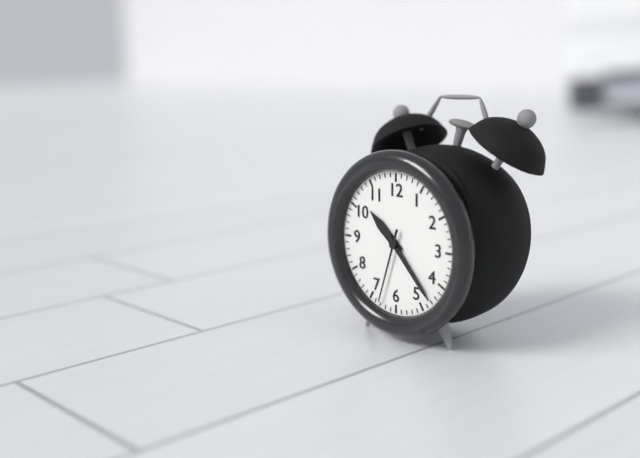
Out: {"hour": 10, "minute": 23, "second": 33}
